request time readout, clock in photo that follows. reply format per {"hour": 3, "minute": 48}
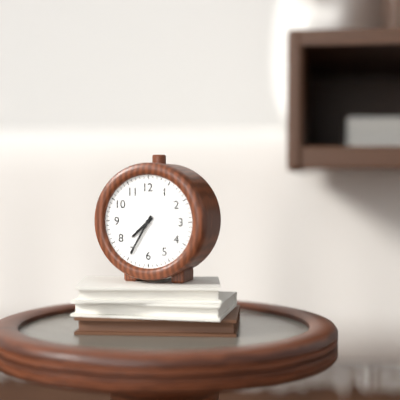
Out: {"hour": 7, "minute": 35}
